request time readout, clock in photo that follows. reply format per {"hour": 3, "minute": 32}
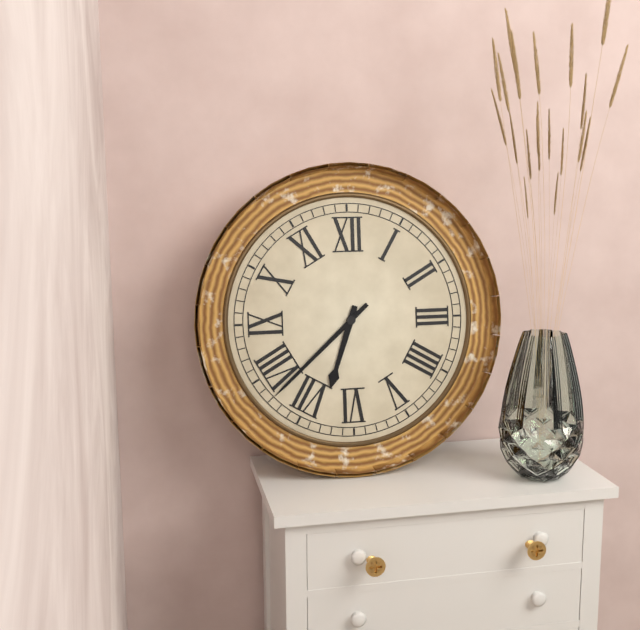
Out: {"hour": 6, "minute": 38}
